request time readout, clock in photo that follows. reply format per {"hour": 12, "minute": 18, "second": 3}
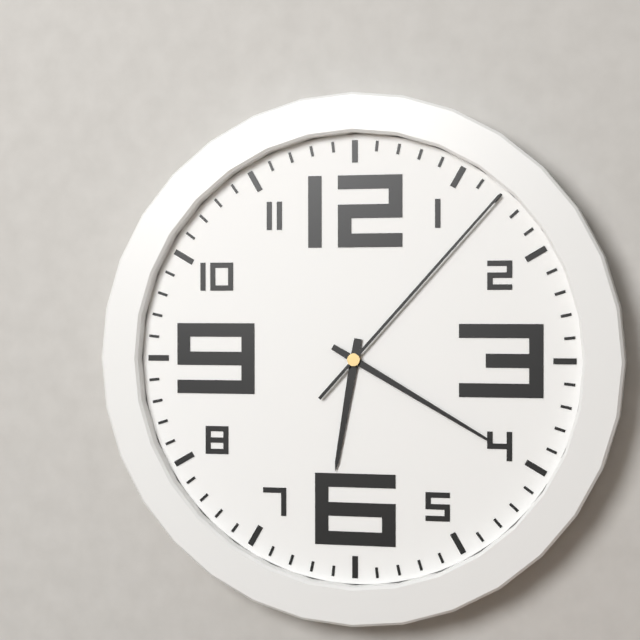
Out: {"hour": 6, "minute": 20, "second": 7}
